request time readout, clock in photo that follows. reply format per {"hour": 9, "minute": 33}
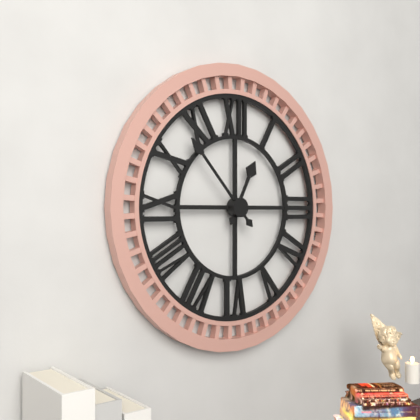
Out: {"hour": 12, "minute": 53}
